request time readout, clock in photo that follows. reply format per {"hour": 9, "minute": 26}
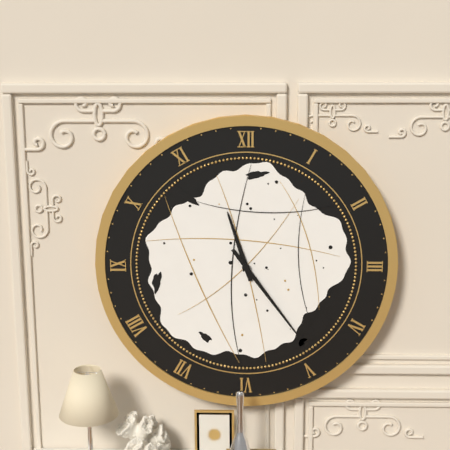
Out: {"hour": 11, "minute": 24}
